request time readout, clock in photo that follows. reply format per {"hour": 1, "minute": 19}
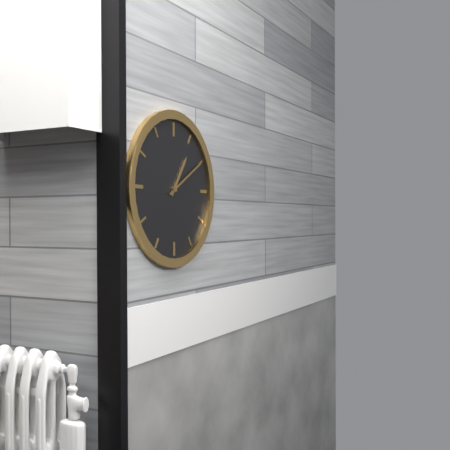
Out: {"hour": 1, "minute": 10}
